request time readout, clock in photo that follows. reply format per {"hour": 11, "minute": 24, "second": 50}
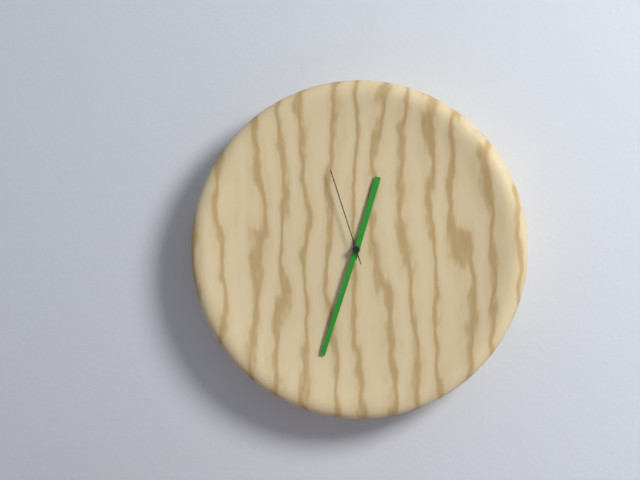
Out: {"hour": 12, "minute": 33, "second": 57}
